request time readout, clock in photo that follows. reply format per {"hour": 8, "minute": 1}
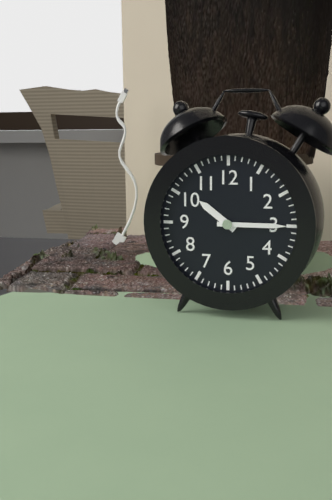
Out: {"hour": 10, "minute": 15}
